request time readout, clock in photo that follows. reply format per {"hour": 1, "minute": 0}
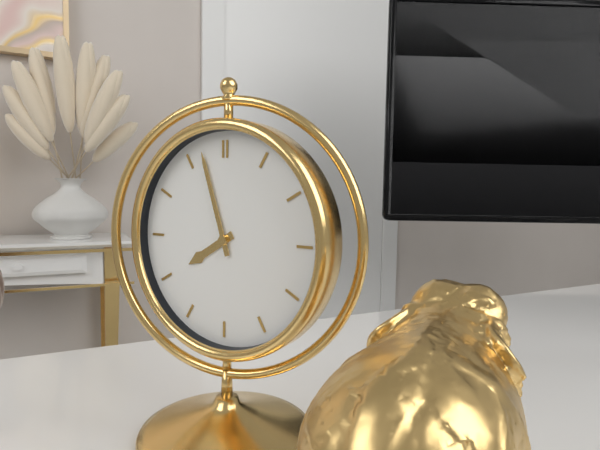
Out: {"hour": 7, "minute": 57}
